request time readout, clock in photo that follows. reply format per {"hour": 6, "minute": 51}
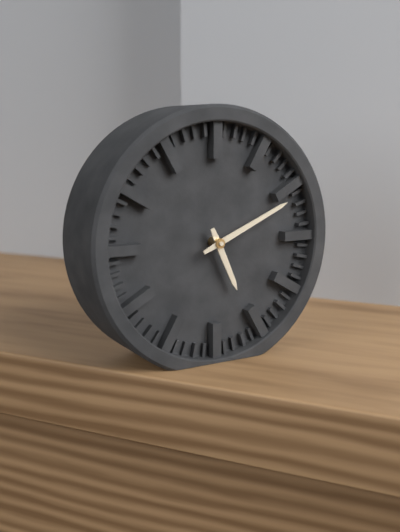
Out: {"hour": 5, "minute": 11}
